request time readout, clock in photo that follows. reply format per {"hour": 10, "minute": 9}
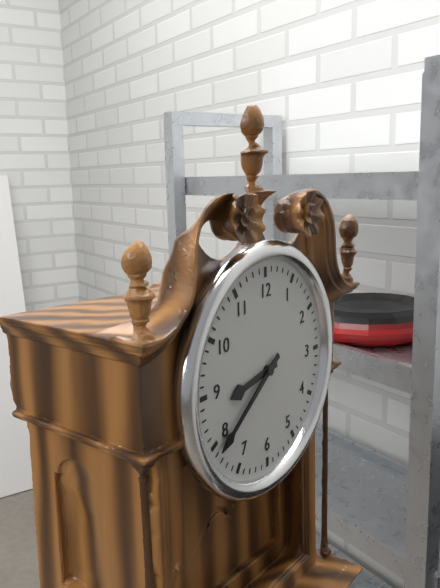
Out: {"hour": 8, "minute": 39}
